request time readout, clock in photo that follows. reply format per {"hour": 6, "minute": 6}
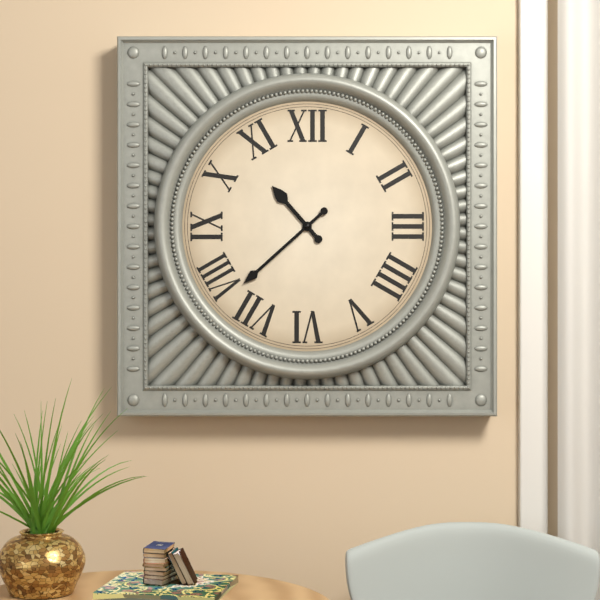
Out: {"hour": 10, "minute": 38}
